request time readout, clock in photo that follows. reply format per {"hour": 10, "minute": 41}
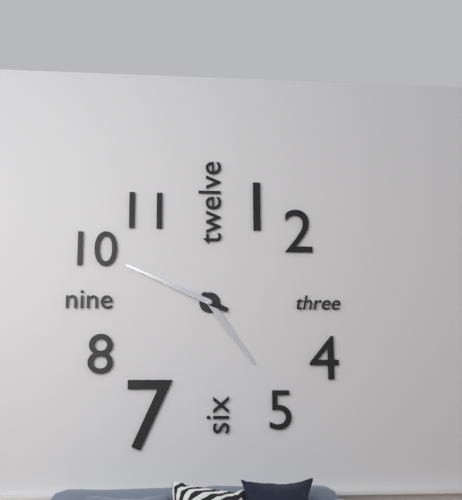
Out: {"hour": 4, "minute": 49}
